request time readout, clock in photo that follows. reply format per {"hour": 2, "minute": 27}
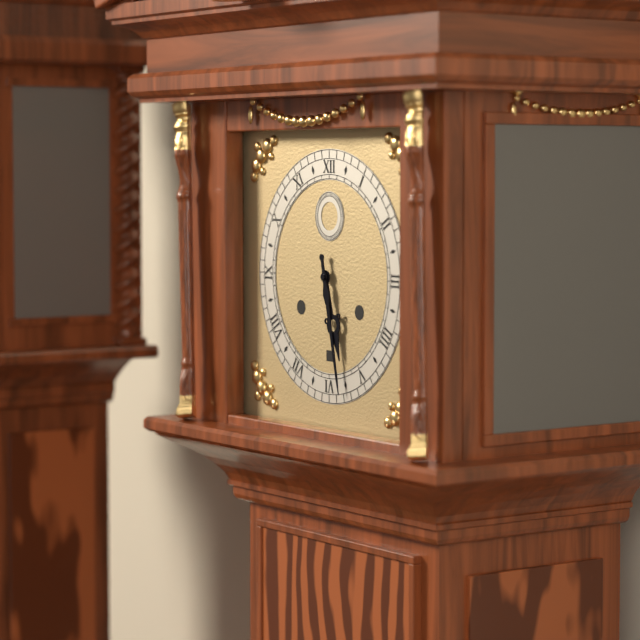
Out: {"hour": 5, "minute": 28}
